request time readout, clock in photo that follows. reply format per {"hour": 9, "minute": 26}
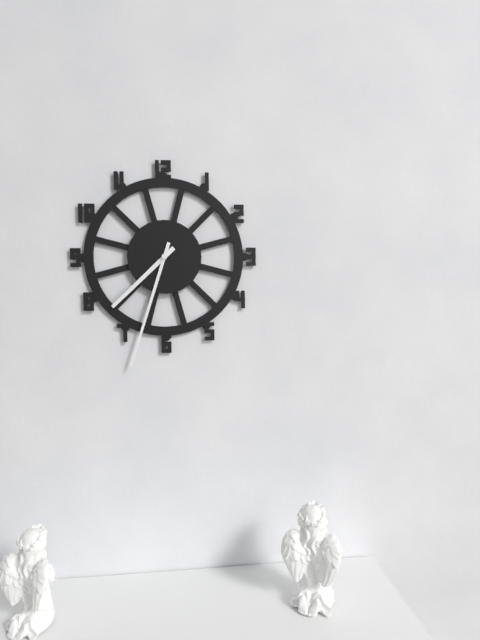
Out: {"hour": 7, "minute": 33}
